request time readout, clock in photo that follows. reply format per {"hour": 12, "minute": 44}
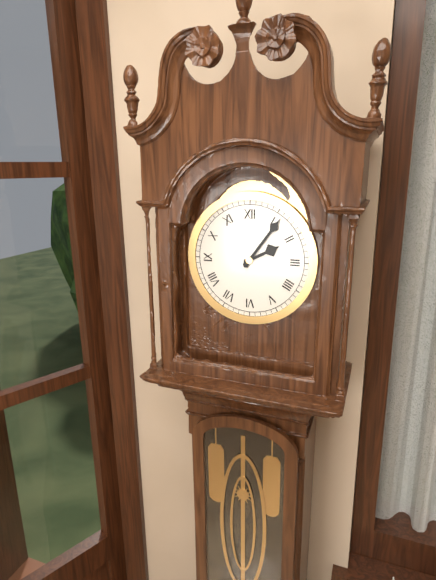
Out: {"hour": 2, "minute": 6}
